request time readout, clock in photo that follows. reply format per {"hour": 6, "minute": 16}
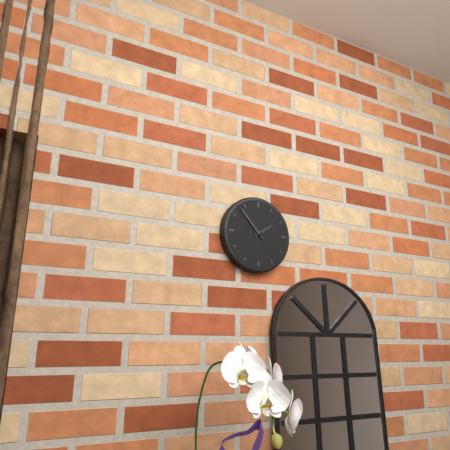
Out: {"hour": 1, "minute": 53}
